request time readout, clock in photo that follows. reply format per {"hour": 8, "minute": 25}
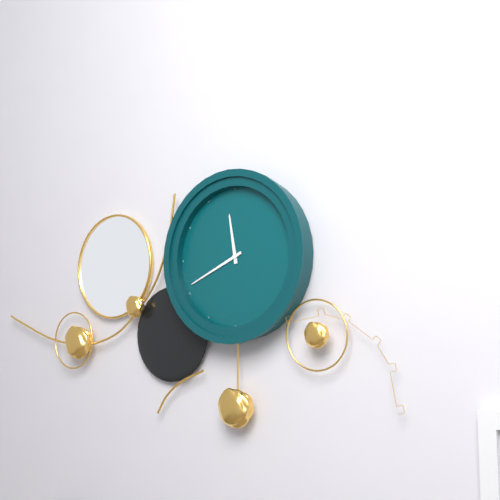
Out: {"hour": 11, "minute": 41}
